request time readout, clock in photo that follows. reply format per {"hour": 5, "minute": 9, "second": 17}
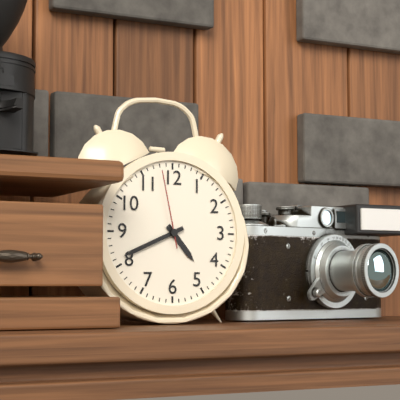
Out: {"hour": 4, "minute": 41, "second": 58}
